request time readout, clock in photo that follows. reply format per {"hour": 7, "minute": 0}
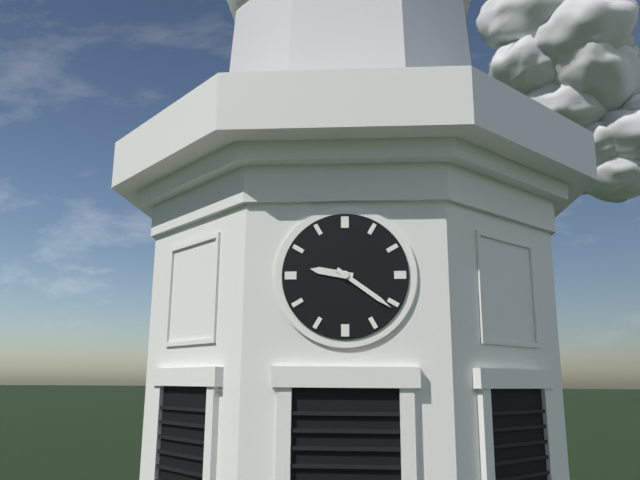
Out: {"hour": 9, "minute": 21}
